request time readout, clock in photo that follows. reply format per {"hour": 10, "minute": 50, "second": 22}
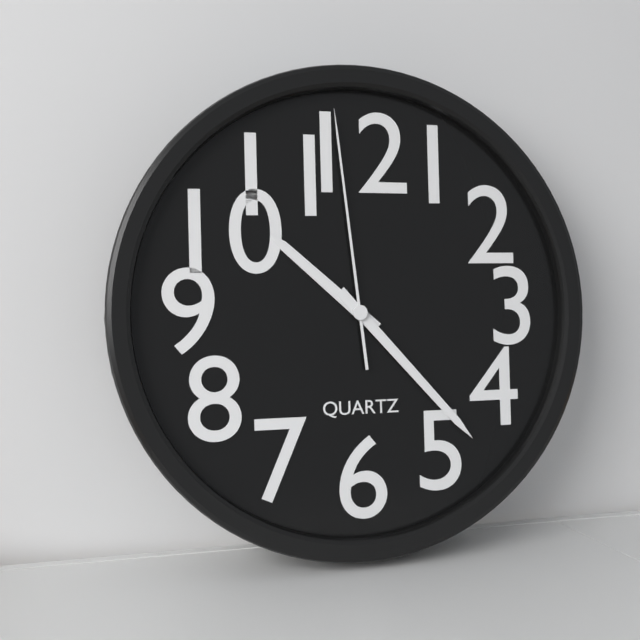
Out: {"hour": 10, "minute": 23, "second": 59}
